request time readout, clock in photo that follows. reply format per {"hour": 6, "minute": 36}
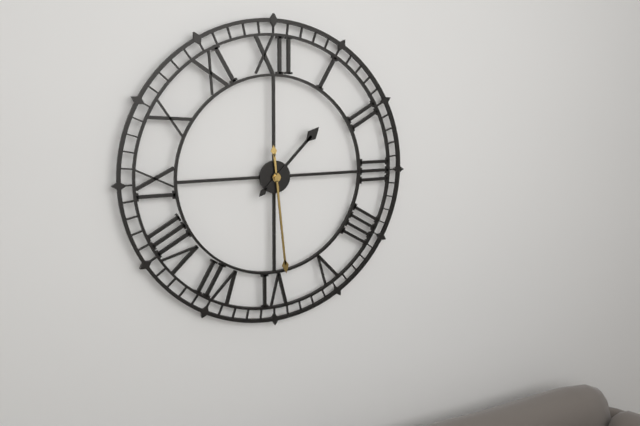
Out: {"hour": 1, "minute": 29}
